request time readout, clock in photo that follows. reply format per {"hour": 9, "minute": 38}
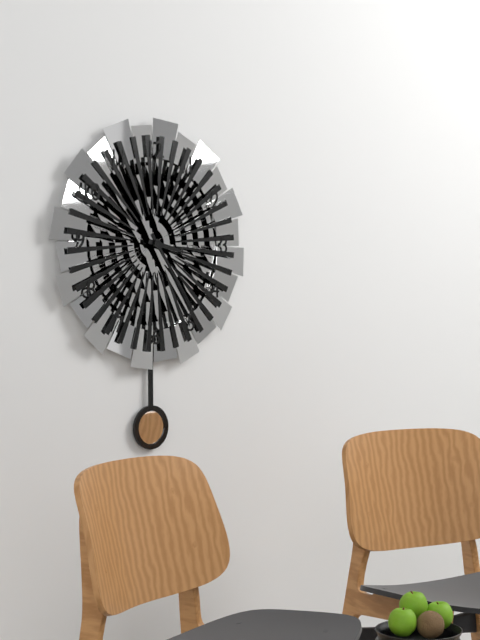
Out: {"hour": 3, "minute": 24}
